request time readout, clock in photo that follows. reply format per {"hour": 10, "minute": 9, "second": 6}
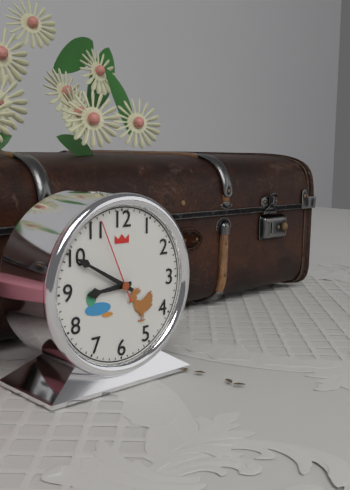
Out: {"hour": 8, "minute": 50, "second": 56}
